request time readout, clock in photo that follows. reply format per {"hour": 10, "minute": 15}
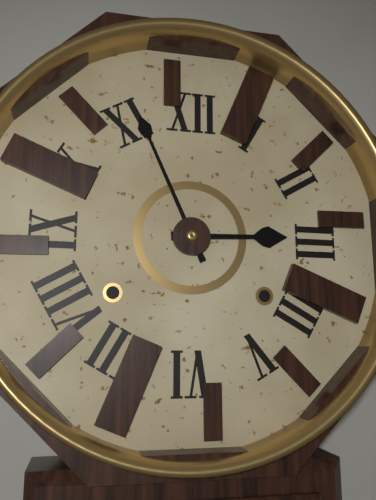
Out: {"hour": 2, "minute": 56}
